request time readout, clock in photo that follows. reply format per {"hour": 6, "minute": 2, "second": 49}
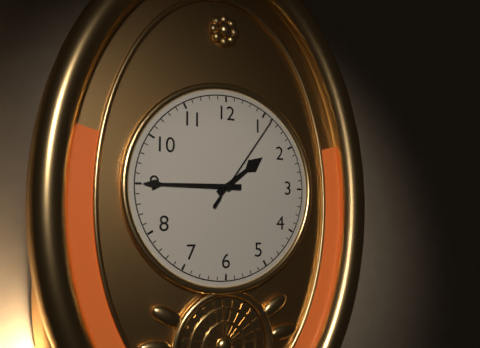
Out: {"hour": 1, "minute": 45, "second": 6}
